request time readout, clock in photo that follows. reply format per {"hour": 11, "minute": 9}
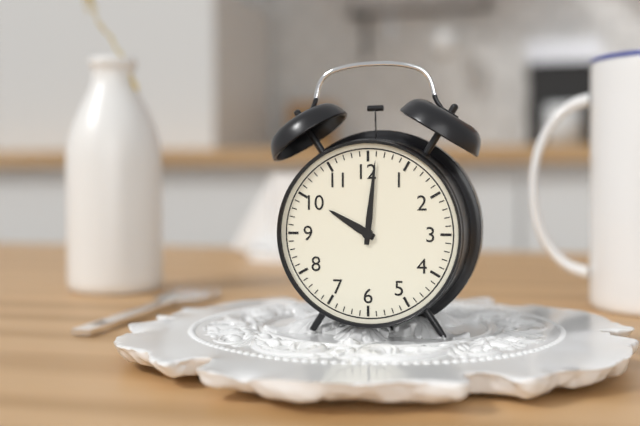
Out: {"hour": 10, "minute": 1}
